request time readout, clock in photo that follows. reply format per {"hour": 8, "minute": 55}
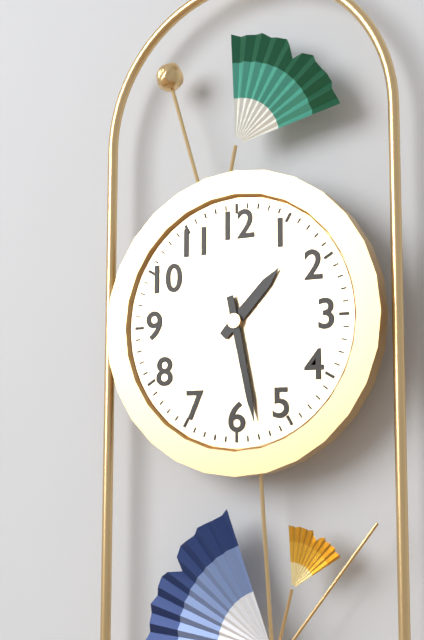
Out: {"hour": 1, "minute": 28}
